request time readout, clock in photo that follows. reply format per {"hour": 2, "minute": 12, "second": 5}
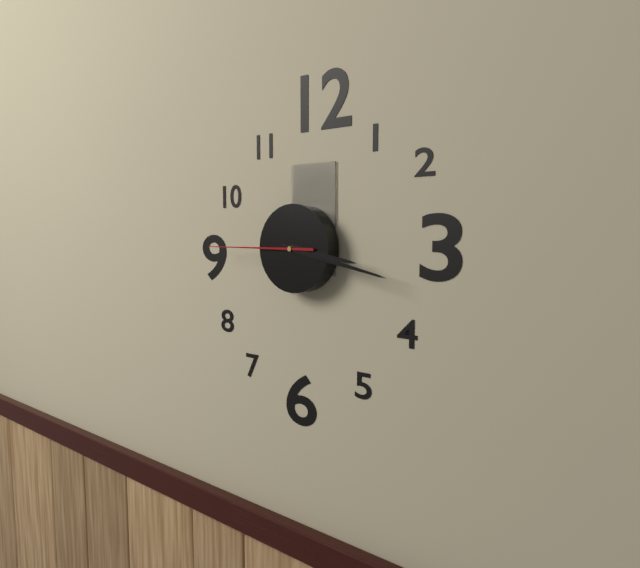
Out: {"hour": 3, "minute": 17, "second": 45}
